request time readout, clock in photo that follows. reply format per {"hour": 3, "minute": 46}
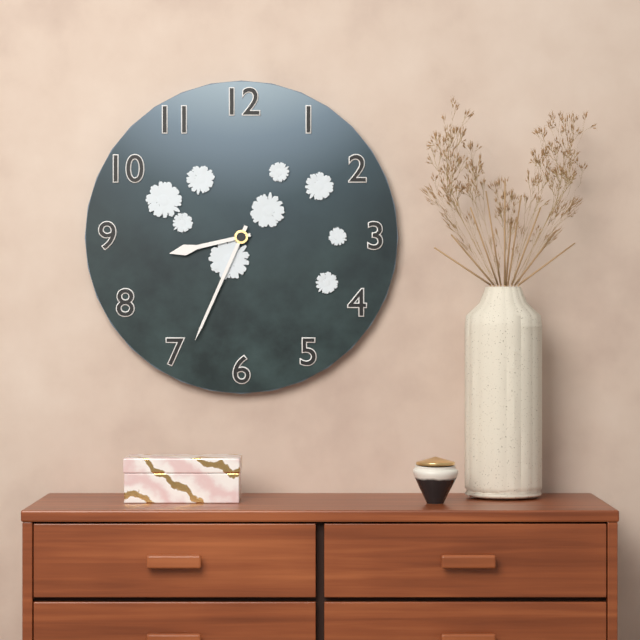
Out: {"hour": 8, "minute": 34}
